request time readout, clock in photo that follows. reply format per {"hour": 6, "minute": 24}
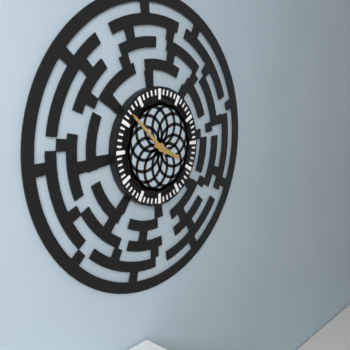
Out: {"hour": 3, "minute": 52}
